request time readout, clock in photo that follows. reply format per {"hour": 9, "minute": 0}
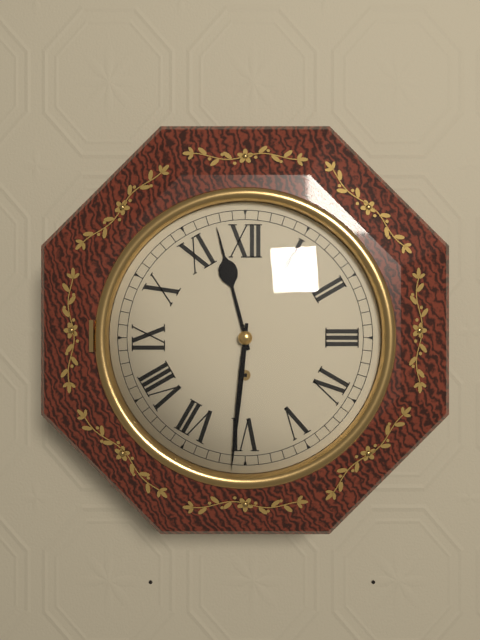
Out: {"hour": 11, "minute": 31}
